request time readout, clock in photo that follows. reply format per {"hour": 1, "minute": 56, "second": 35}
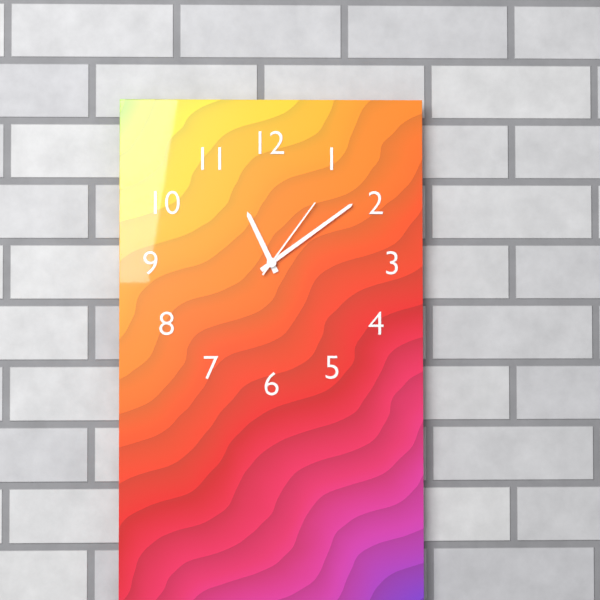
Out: {"hour": 11, "minute": 9, "second": 6}
